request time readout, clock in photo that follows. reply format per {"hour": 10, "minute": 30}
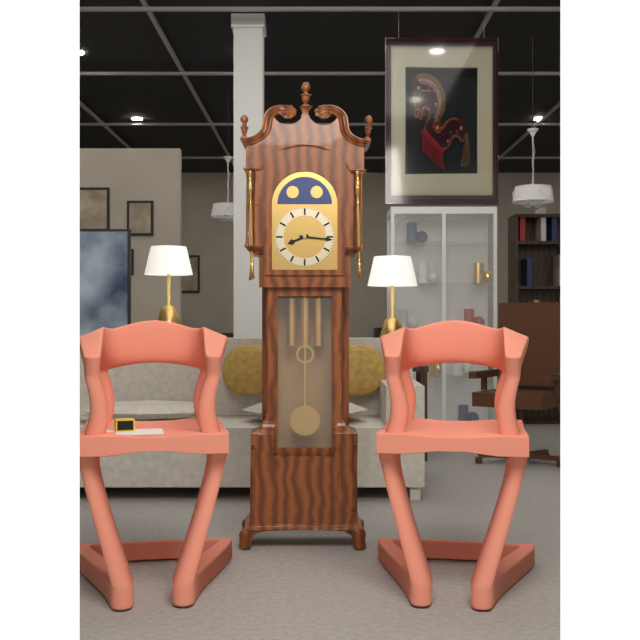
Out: {"hour": 8, "minute": 16}
